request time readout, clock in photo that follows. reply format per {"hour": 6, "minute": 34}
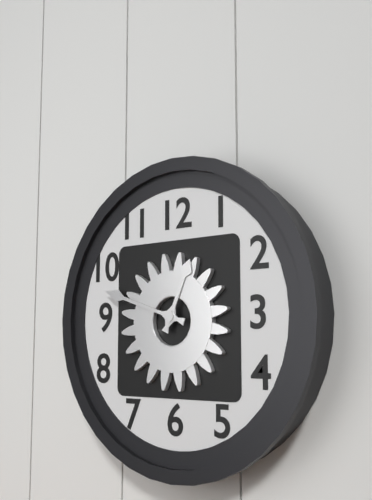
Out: {"hour": 12, "minute": 48}
